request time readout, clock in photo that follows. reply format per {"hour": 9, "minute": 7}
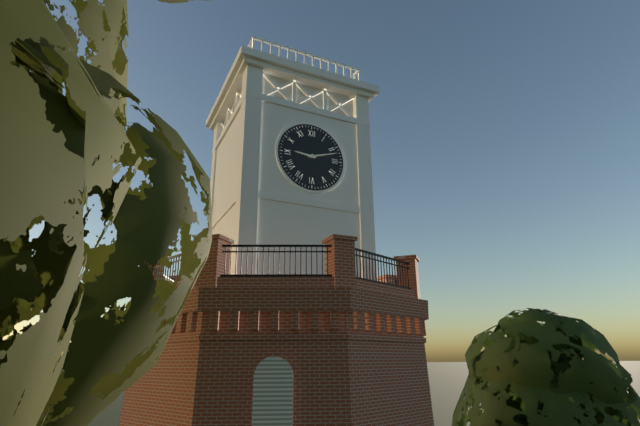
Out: {"hour": 9, "minute": 12}
